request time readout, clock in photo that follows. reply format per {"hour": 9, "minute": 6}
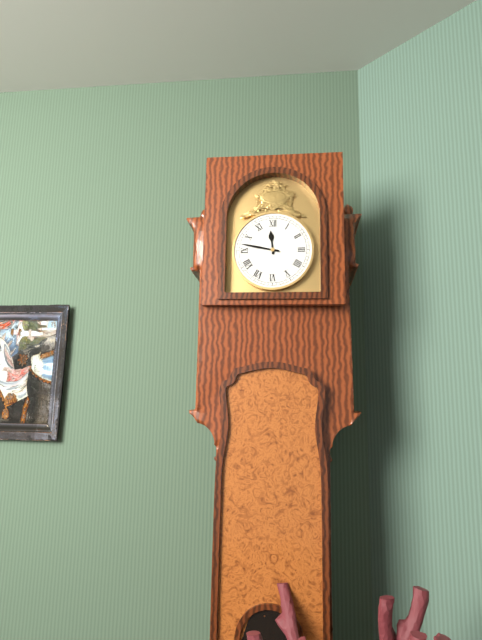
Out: {"hour": 11, "minute": 47}
